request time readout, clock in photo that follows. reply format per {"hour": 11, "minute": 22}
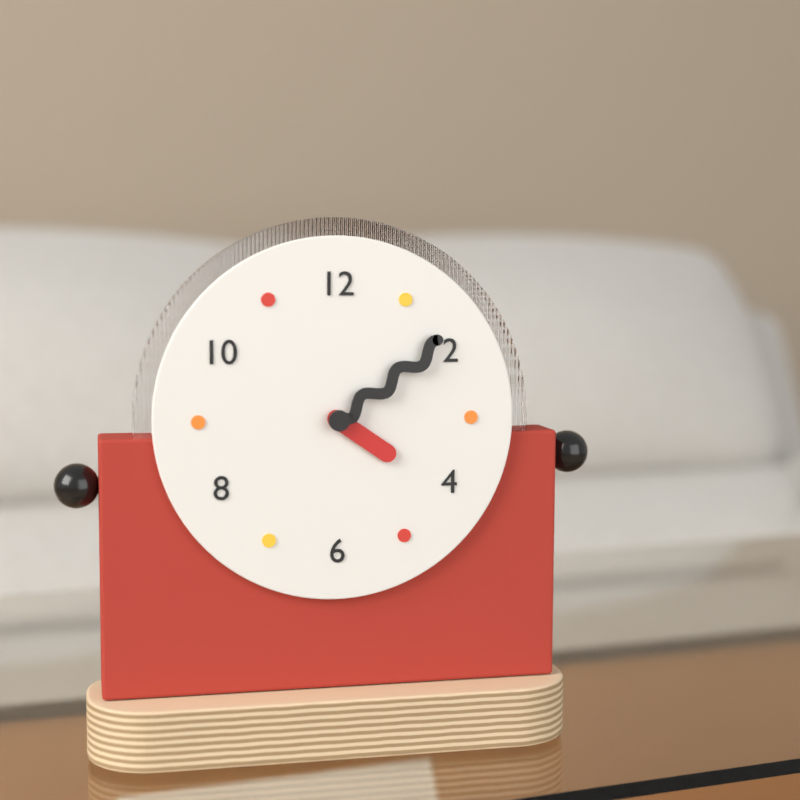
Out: {"hour": 4, "minute": 9}
